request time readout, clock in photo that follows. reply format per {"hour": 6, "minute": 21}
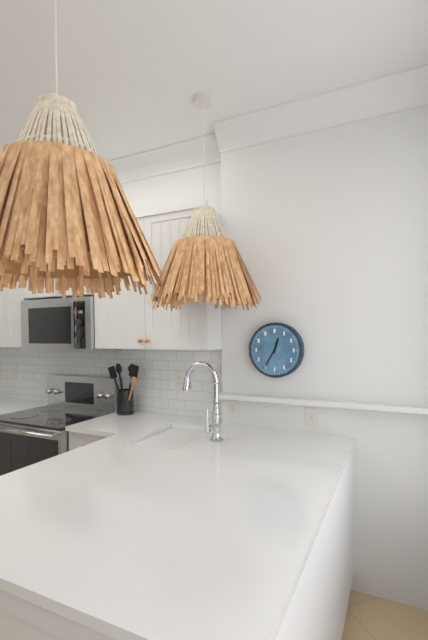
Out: {"hour": 12, "minute": 35}
